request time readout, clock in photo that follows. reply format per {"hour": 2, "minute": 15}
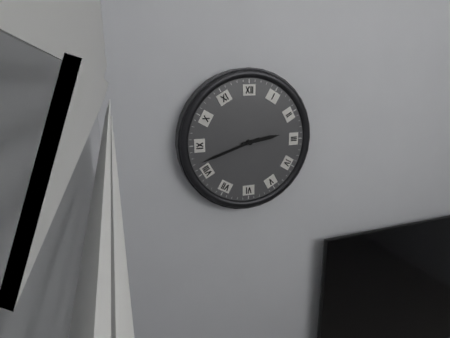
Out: {"hour": 2, "minute": 42}
